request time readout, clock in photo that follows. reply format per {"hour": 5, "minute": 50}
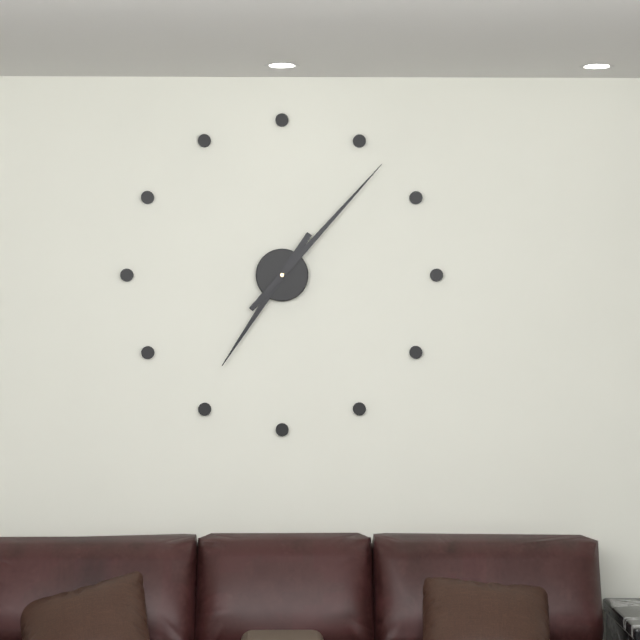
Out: {"hour": 7, "minute": 7}
